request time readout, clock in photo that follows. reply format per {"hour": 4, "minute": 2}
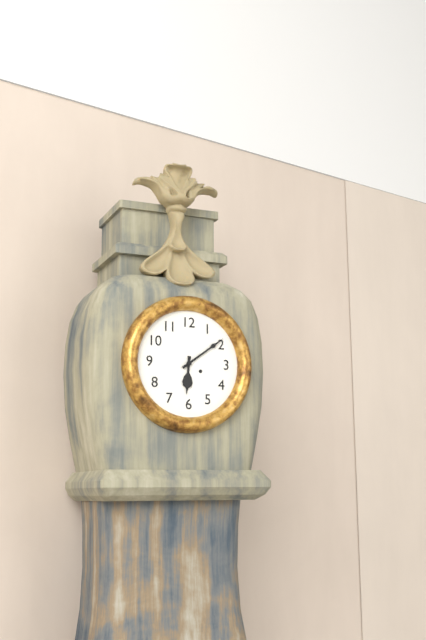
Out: {"hour": 6, "minute": 9}
